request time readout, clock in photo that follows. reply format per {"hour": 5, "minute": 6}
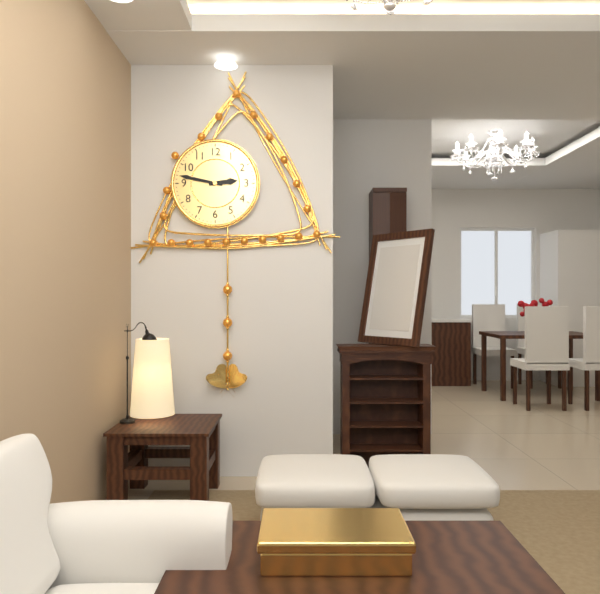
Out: {"hour": 2, "minute": 47}
